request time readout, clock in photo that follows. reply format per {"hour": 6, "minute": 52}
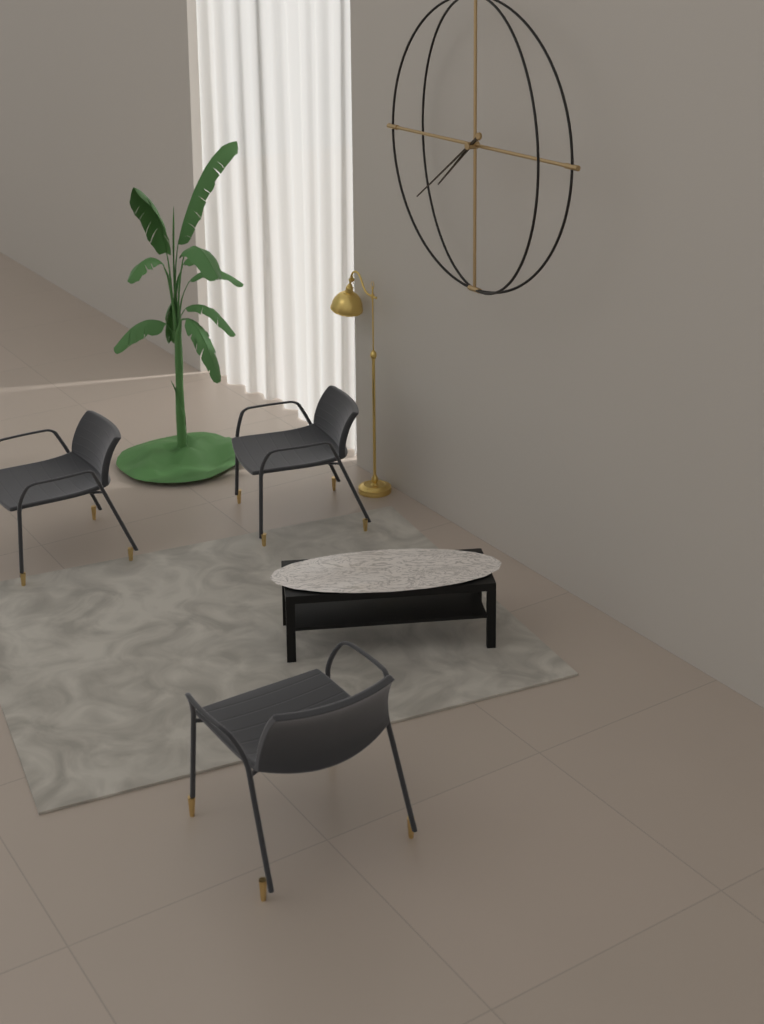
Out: {"hour": 7, "minute": 39}
